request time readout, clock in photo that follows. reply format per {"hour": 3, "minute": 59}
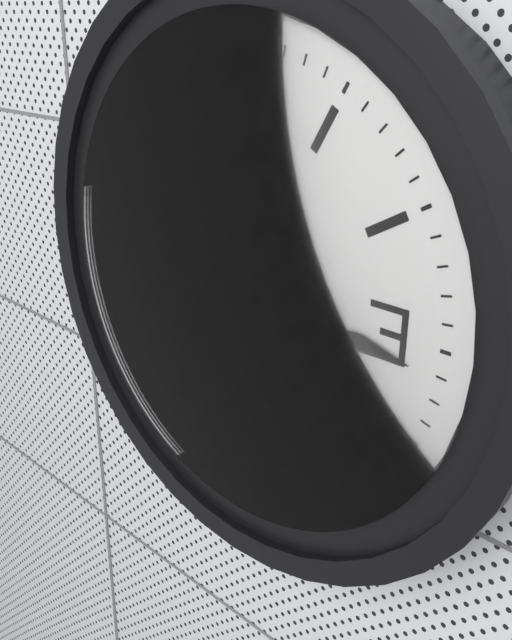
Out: {"hour": 9, "minute": 16}
